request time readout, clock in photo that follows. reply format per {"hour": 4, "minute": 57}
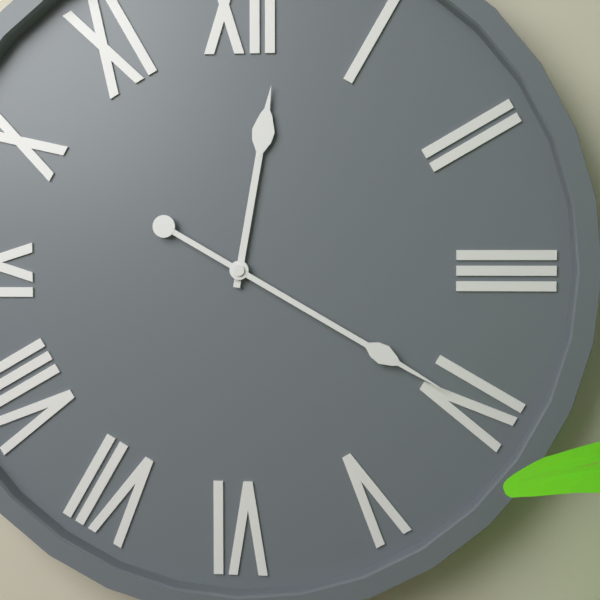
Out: {"hour": 12, "minute": 20}
